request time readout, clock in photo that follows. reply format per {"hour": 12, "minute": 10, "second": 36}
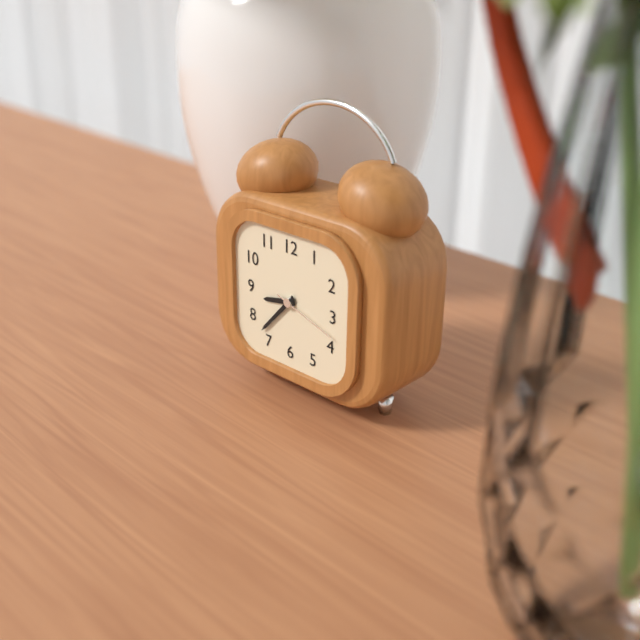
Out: {"hour": 8, "minute": 37, "second": 18}
